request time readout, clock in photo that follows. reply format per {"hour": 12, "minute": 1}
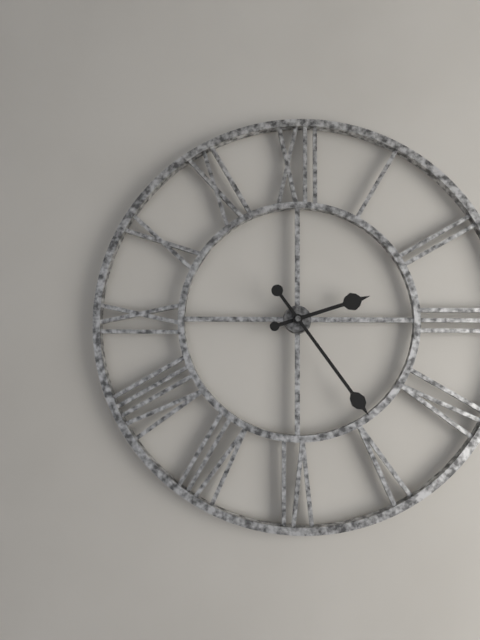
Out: {"hour": 2, "minute": 24}
